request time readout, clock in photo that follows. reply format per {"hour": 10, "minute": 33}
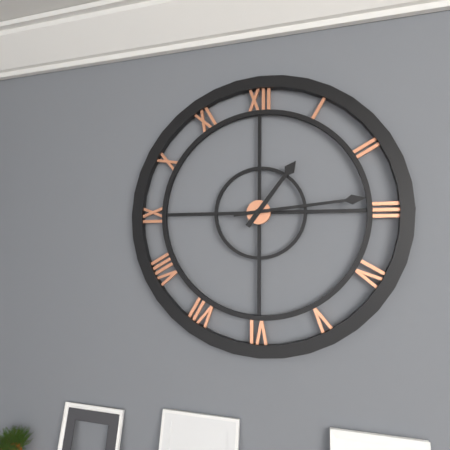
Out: {"hour": 1, "minute": 14}
